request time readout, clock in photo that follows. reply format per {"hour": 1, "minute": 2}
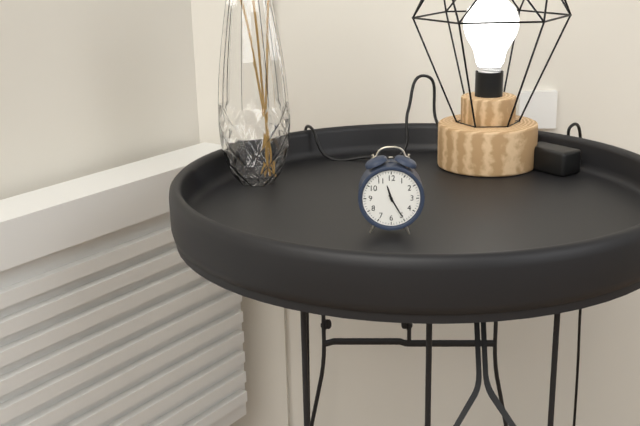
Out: {"hour": 11, "minute": 25}
